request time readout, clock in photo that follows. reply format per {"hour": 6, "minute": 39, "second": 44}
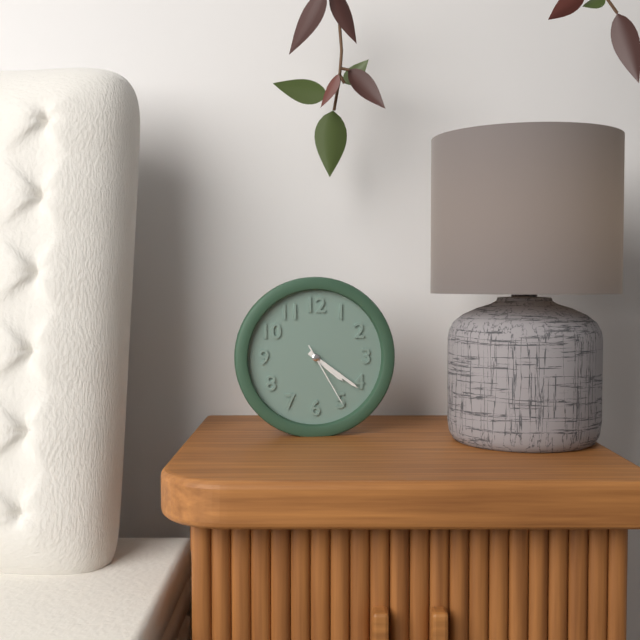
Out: {"hour": 4, "minute": 21, "second": 25}
